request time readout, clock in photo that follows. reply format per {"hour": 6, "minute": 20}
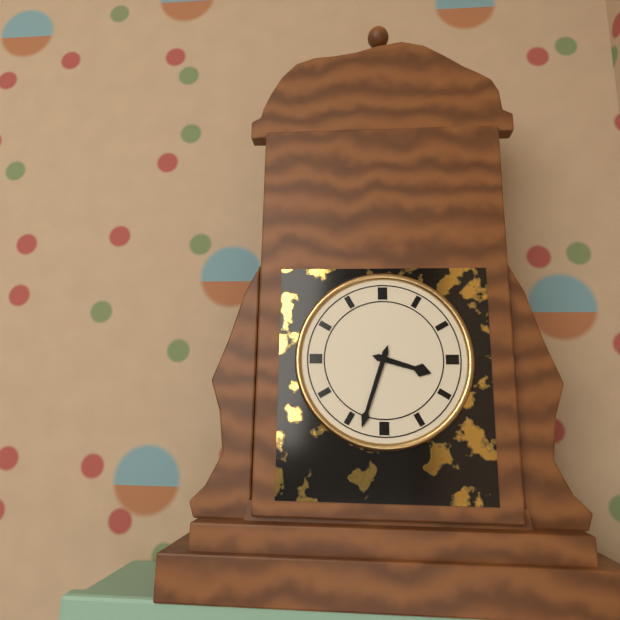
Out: {"hour": 3, "minute": 33}
